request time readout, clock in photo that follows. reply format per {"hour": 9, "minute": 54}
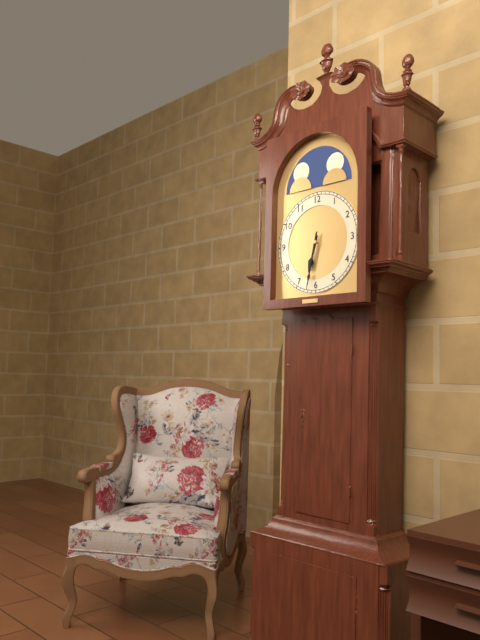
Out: {"hour": 6, "minute": 32}
